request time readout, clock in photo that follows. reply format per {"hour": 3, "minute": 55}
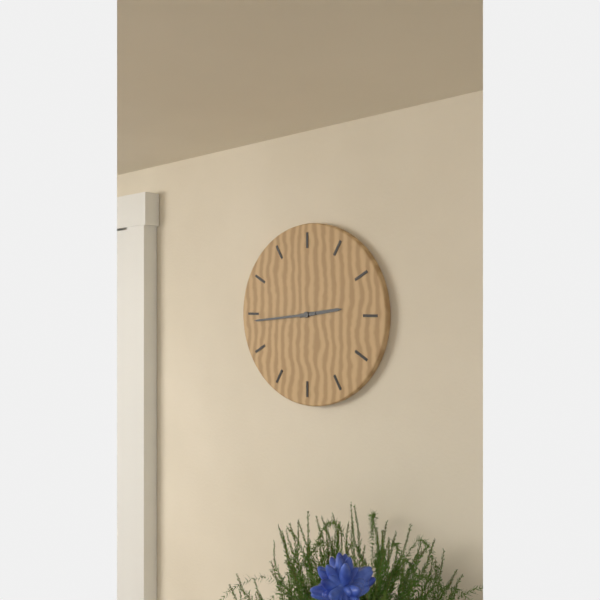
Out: {"hour": 2, "minute": 44}
